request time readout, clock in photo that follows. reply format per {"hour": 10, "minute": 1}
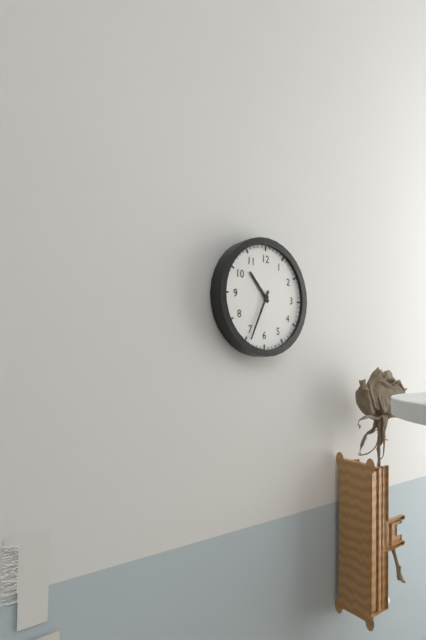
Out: {"hour": 10, "minute": 34}
